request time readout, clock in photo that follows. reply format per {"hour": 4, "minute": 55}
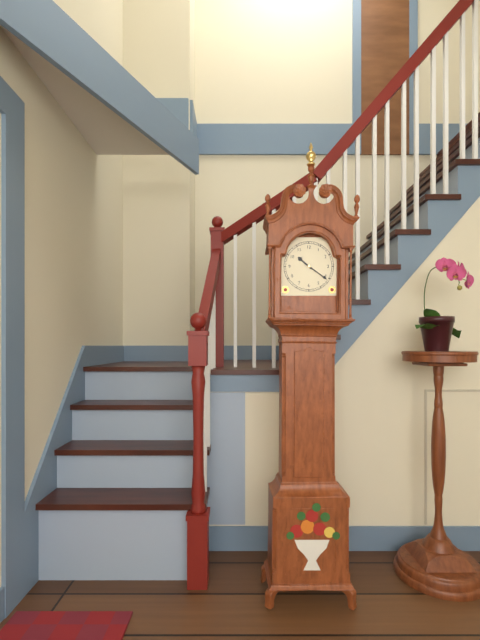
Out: {"hour": 10, "minute": 21}
